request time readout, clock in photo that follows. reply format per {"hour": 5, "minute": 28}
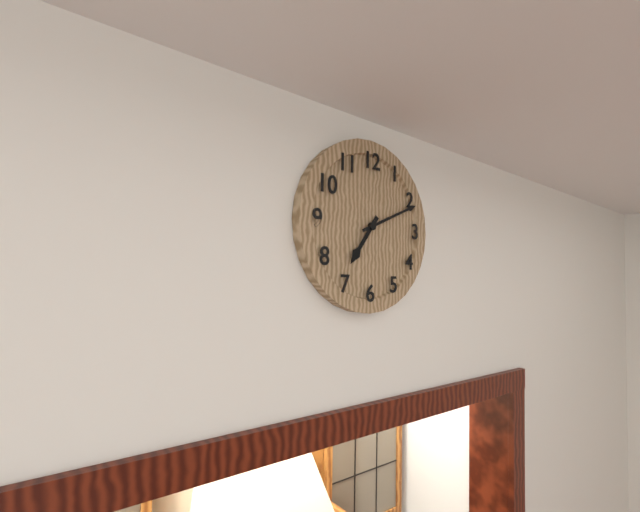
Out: {"hour": 7, "minute": 11}
